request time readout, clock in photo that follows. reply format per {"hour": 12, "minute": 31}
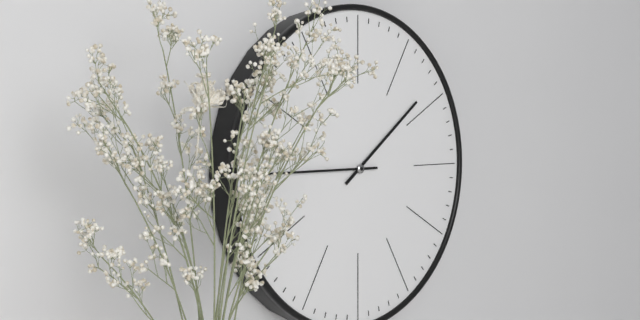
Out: {"hour": 1, "minute": 45}
